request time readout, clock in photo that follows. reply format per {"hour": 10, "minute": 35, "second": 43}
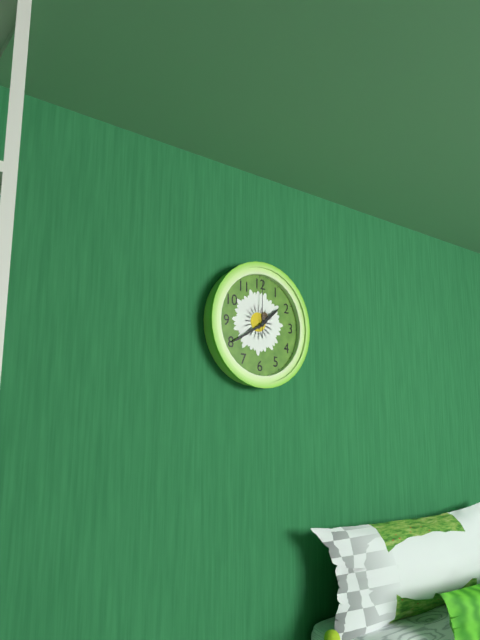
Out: {"hour": 1, "minute": 40, "second": 0}
